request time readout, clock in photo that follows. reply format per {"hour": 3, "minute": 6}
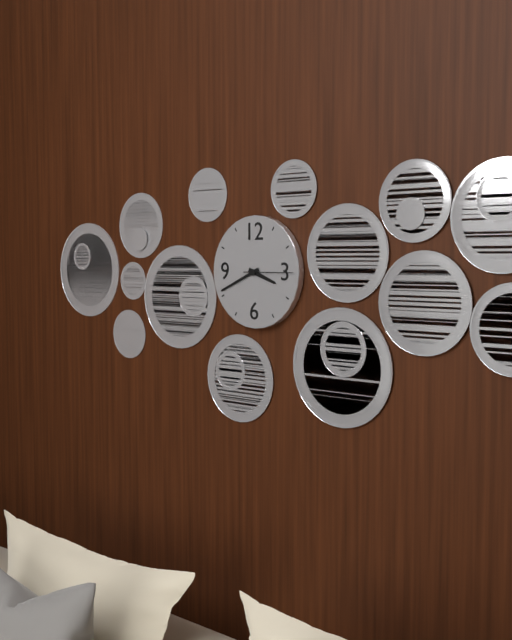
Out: {"hour": 3, "minute": 41}
